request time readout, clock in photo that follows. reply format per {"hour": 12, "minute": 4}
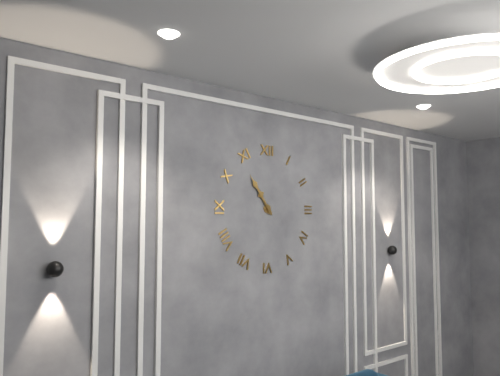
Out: {"hour": 10, "minute": 54}
